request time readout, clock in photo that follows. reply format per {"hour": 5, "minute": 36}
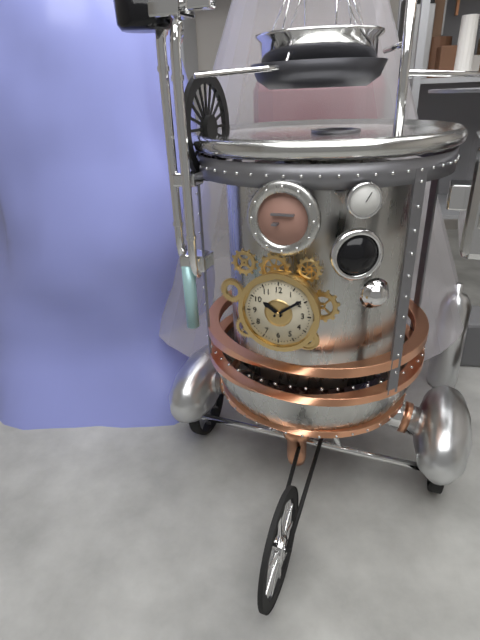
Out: {"hour": 10, "minute": 9}
